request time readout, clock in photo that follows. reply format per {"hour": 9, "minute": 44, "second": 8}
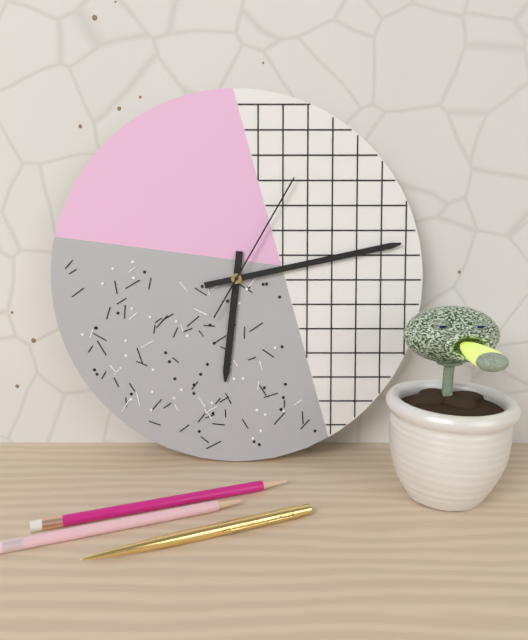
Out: {"hour": 6, "minute": 13, "second": 5}
